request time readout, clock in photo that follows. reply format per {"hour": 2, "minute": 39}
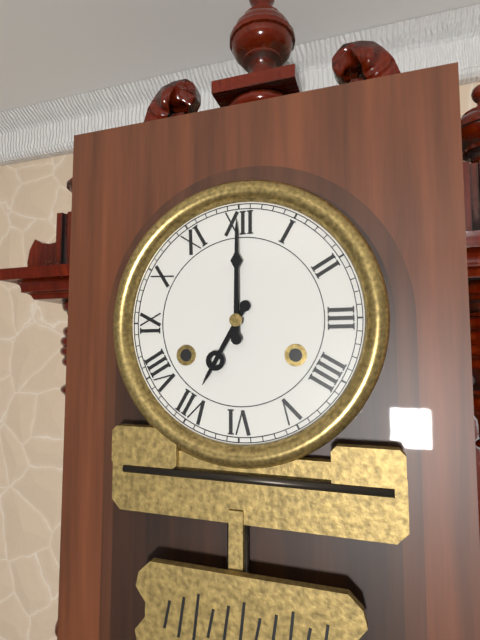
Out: {"hour": 7, "minute": 0}
